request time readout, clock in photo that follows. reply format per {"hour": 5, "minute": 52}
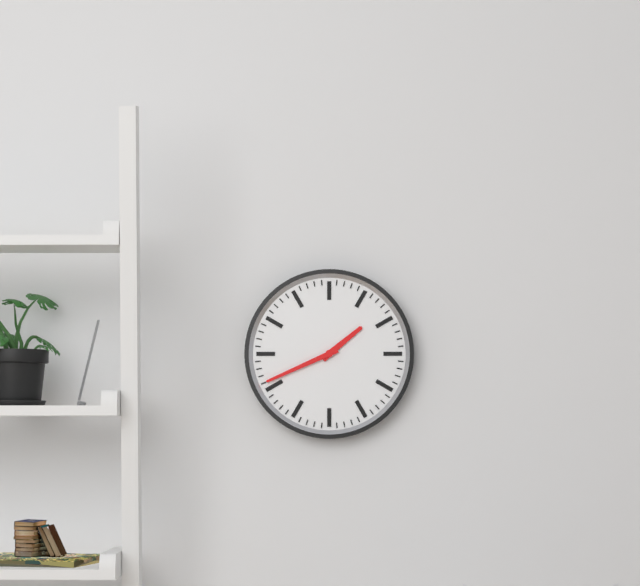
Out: {"hour": 1, "minute": 41}
